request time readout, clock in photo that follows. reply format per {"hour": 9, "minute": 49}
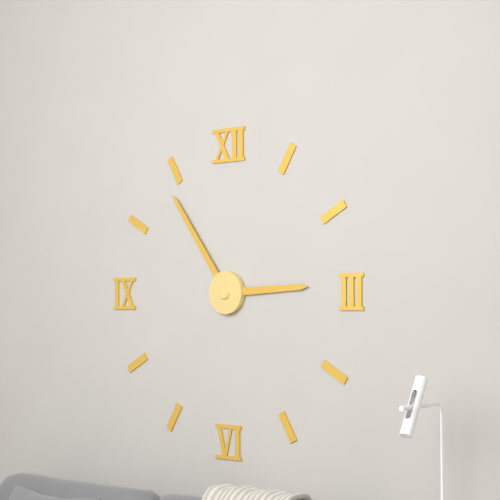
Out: {"hour": 2, "minute": 54}
